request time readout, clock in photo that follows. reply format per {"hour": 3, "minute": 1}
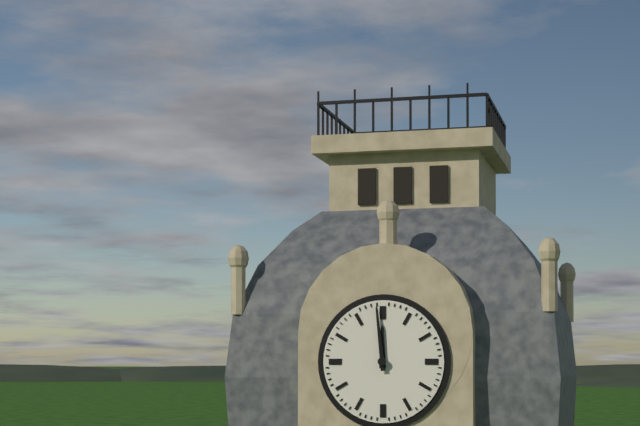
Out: {"hour": 11, "minute": 59}
